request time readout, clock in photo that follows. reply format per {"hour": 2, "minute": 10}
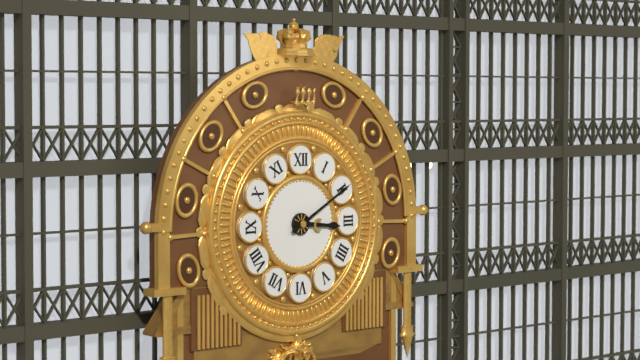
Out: {"hour": 3, "minute": 10}
